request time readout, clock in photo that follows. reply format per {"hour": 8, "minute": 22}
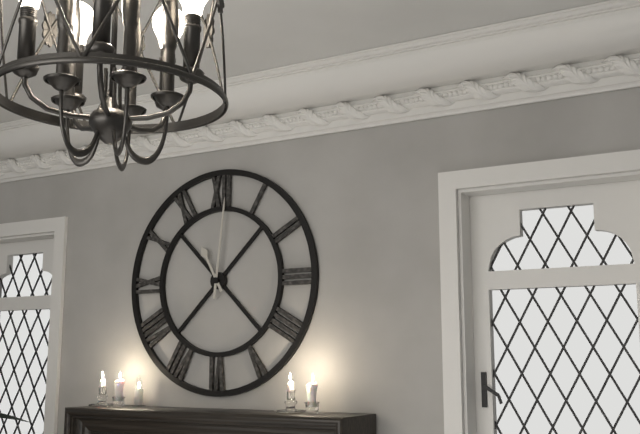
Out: {"hour": 11, "minute": 1}
